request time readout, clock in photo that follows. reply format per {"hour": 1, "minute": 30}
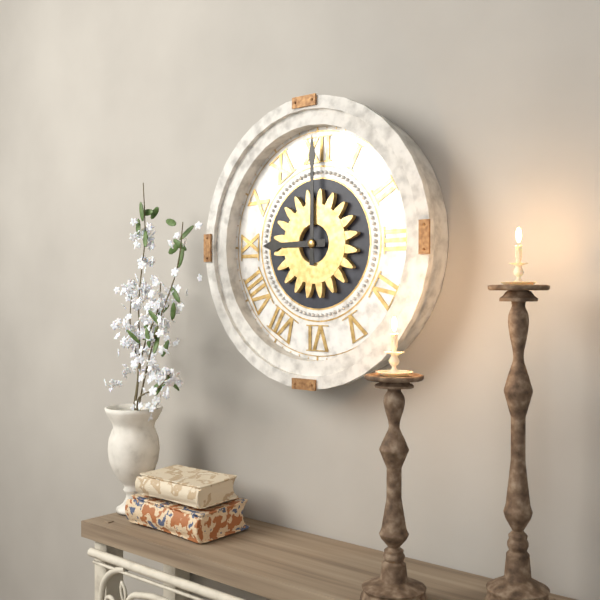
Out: {"hour": 9, "minute": 0}
